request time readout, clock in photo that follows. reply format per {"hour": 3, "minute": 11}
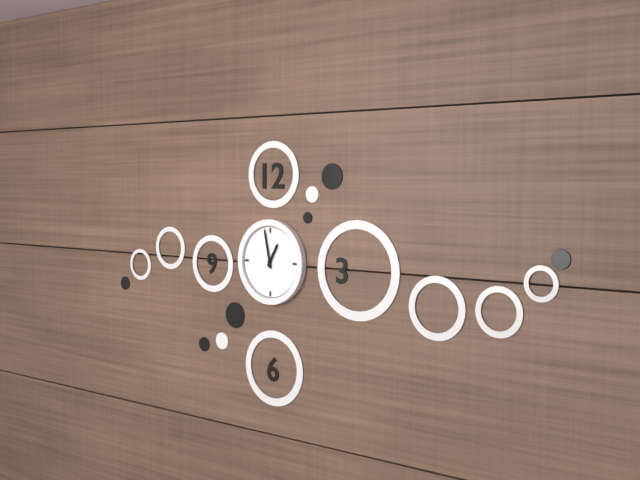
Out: {"hour": 12, "minute": 58}
